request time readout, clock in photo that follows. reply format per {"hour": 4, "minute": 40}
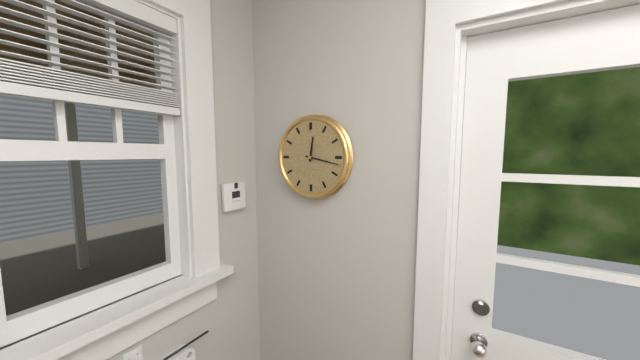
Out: {"hour": 12, "minute": 17}
